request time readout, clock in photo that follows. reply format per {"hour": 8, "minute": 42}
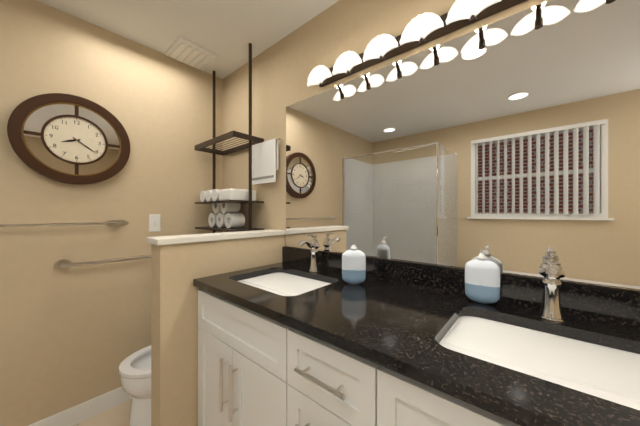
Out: {"hour": 8, "minute": 21}
